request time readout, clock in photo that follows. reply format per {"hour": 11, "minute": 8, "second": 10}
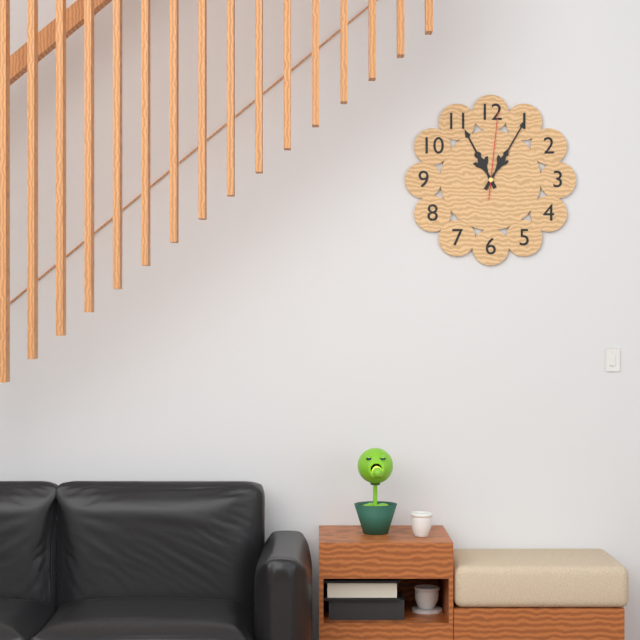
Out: {"hour": 11, "minute": 5, "second": 1}
